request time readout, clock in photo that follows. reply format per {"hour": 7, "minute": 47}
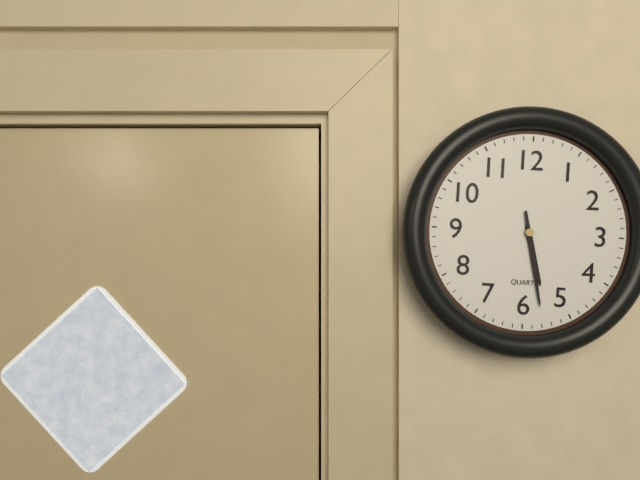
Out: {"hour": 5, "minute": 28}
